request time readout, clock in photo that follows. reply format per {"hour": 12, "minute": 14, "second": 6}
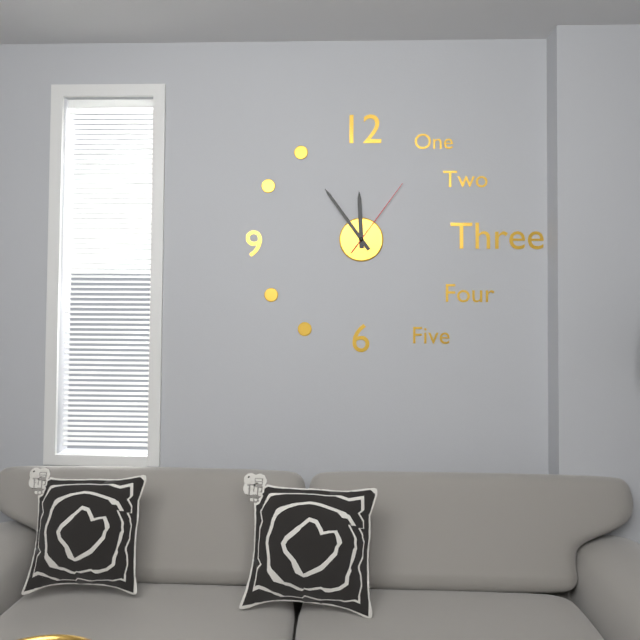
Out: {"hour": 11, "minute": 54, "second": 6}
